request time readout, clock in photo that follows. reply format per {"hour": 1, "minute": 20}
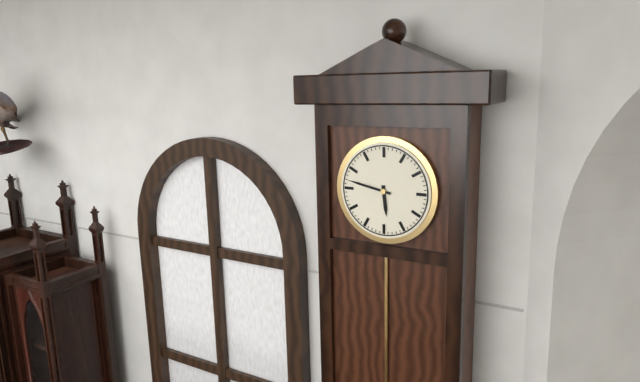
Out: {"hour": 5, "minute": 47}
